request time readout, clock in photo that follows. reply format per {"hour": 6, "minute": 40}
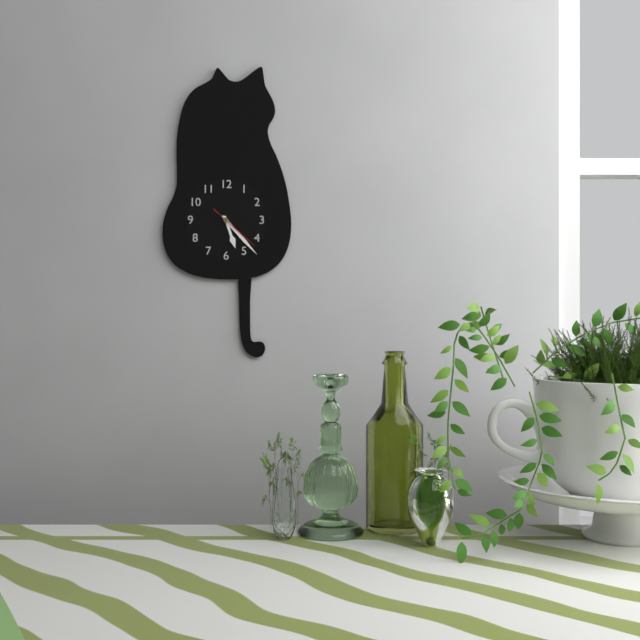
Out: {"hour": 5, "minute": 23}
